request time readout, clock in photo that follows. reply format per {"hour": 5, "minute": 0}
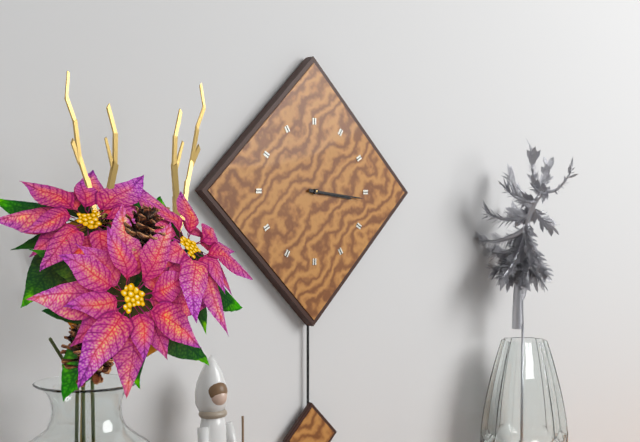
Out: {"hour": 3, "minute": 16}
